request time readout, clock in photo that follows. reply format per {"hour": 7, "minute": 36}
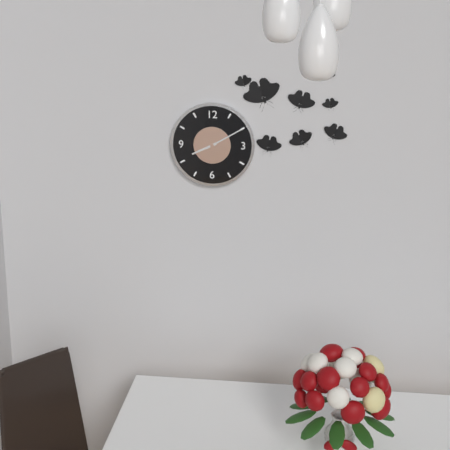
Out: {"hour": 8, "minute": 10}
